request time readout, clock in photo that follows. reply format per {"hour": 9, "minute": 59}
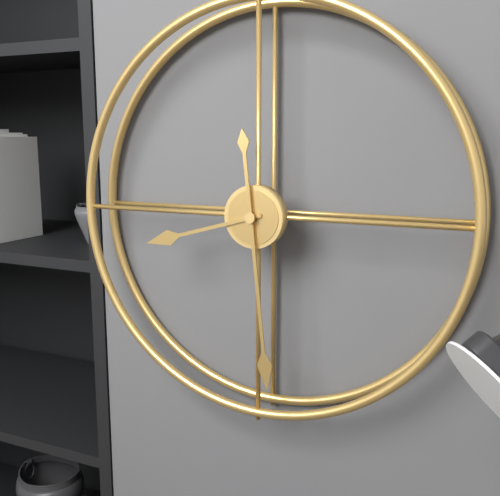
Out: {"hour": 8, "minute": 29}
